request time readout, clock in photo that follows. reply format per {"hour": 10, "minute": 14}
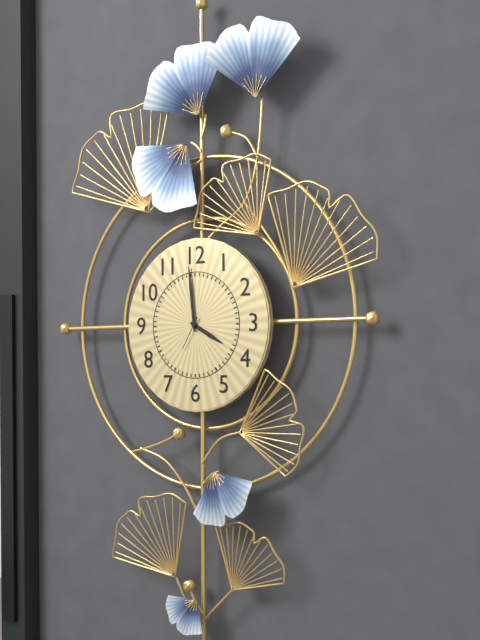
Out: {"hour": 3, "minute": 59}
